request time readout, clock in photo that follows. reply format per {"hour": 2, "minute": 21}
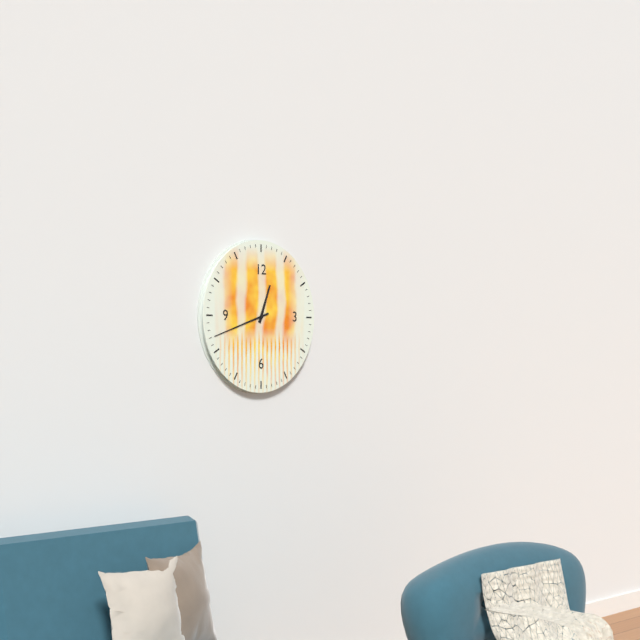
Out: {"hour": 12, "minute": 42}
